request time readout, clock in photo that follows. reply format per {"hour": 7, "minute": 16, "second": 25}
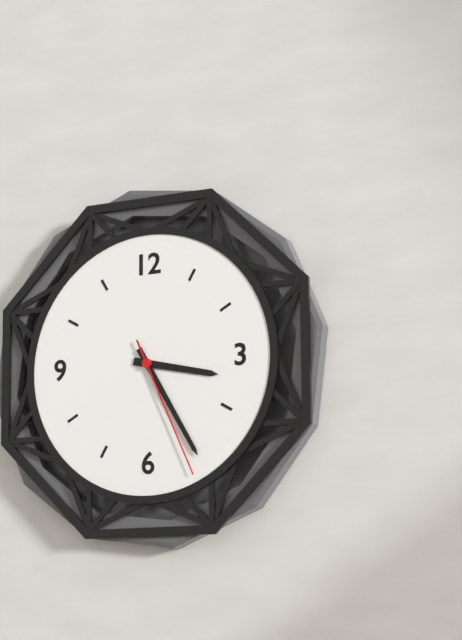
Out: {"hour": 3, "minute": 25, "second": 26}
